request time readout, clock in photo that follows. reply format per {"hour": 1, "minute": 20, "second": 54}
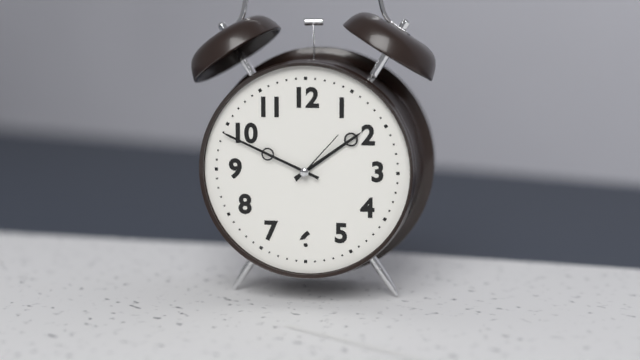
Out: {"hour": 1, "minute": 49, "second": 7}
